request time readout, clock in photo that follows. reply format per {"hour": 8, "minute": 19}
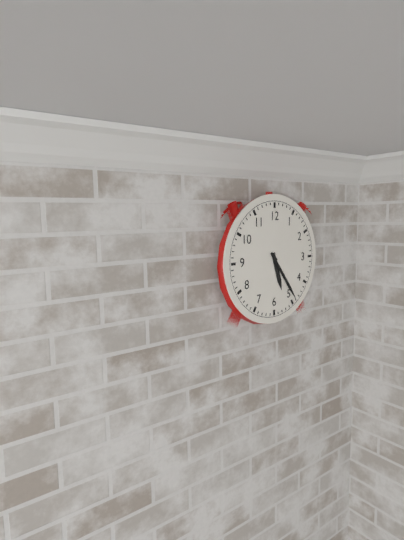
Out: {"hour": 5, "minute": 24}
